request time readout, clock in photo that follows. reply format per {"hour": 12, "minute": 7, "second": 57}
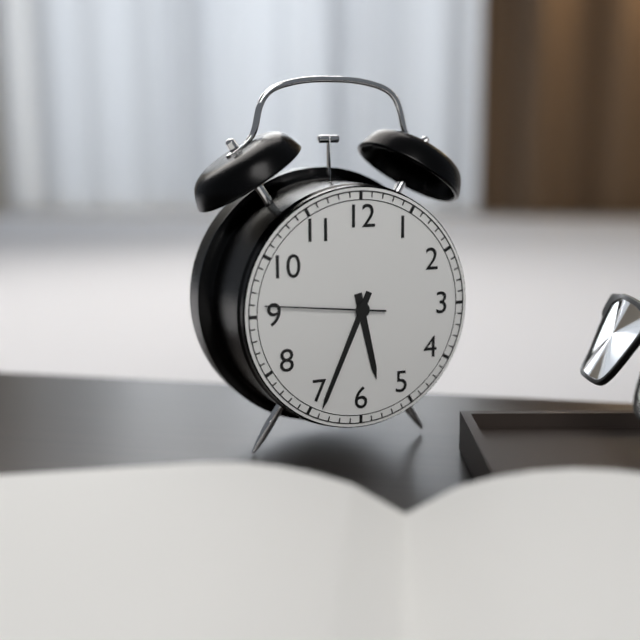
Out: {"hour": 5, "minute": 34, "second": 46}
